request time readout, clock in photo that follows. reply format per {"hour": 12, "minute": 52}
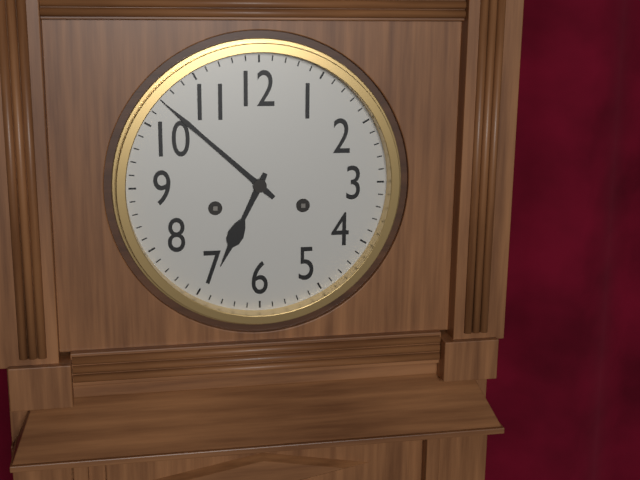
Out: {"hour": 6, "minute": 52}
